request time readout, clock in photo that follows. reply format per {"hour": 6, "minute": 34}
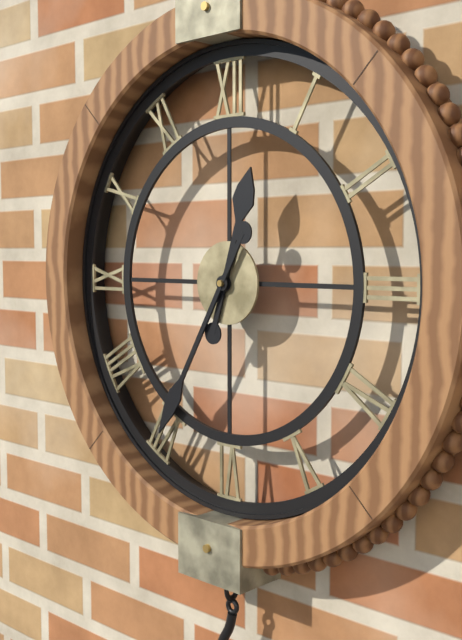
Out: {"hour": 12, "minute": 35}
